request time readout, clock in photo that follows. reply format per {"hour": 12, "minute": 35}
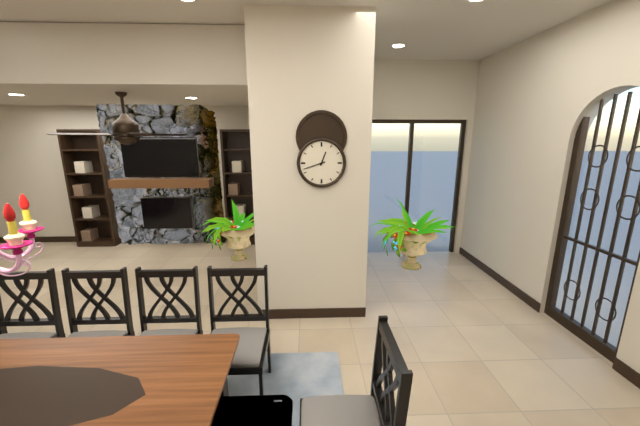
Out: {"hour": 12, "minute": 42}
